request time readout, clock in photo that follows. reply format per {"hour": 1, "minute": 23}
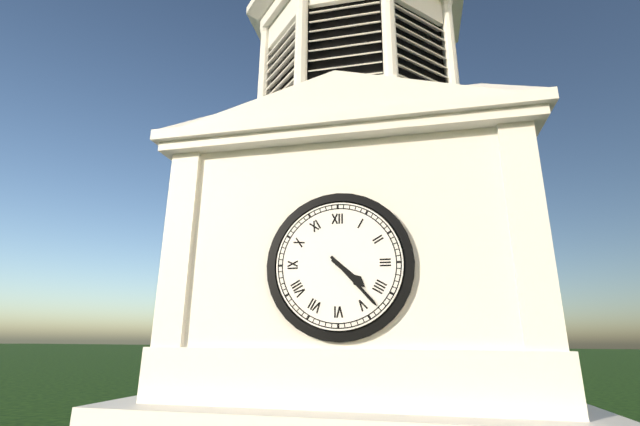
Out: {"hour": 4, "minute": 23}
